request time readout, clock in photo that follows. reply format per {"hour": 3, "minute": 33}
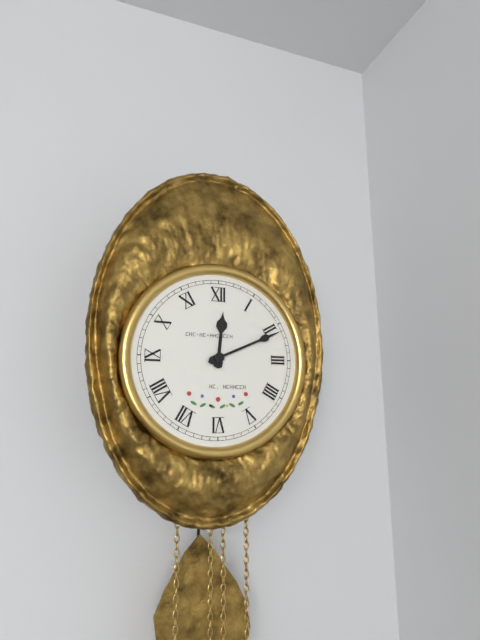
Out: {"hour": 12, "minute": 11}
